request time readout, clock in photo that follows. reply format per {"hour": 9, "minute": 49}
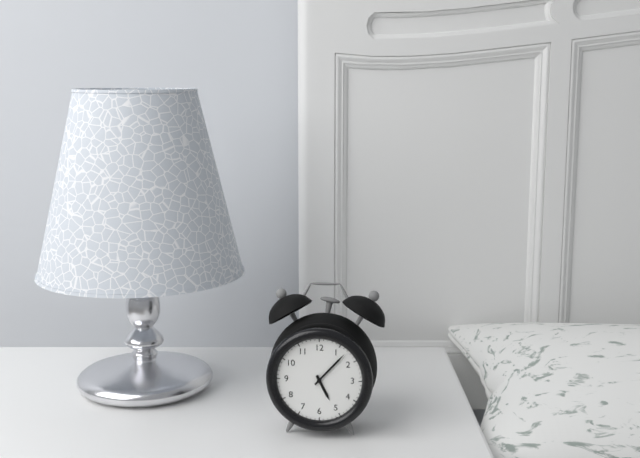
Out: {"hour": 5, "minute": 7}
